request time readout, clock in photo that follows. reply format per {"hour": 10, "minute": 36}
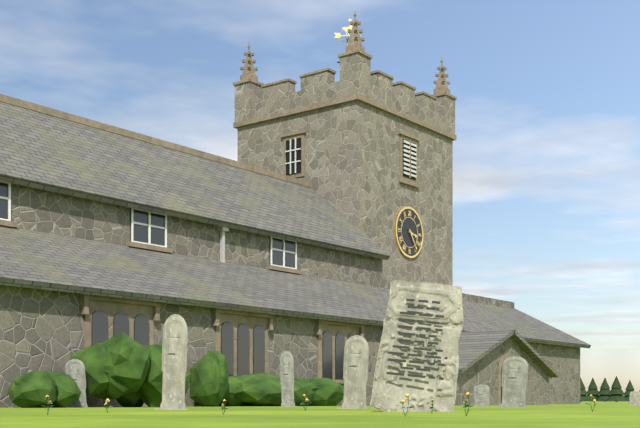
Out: {"hour": 3, "minute": 24}
